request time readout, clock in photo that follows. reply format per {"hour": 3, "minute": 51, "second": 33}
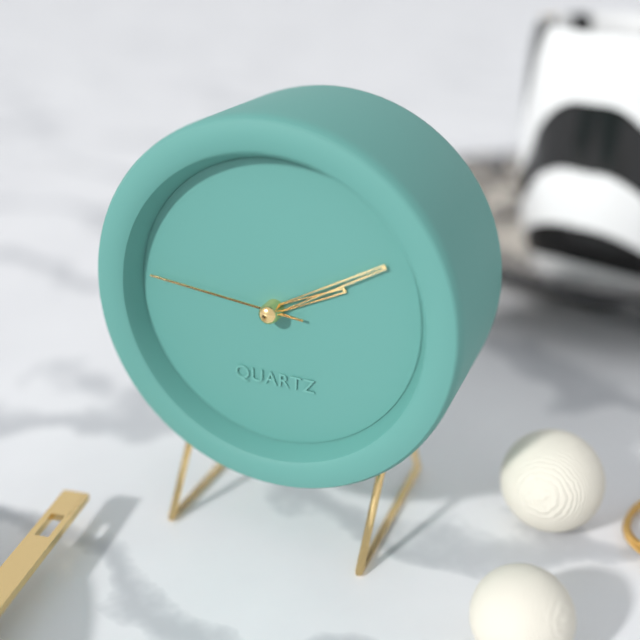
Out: {"hour": 2, "minute": 10, "second": 46}
